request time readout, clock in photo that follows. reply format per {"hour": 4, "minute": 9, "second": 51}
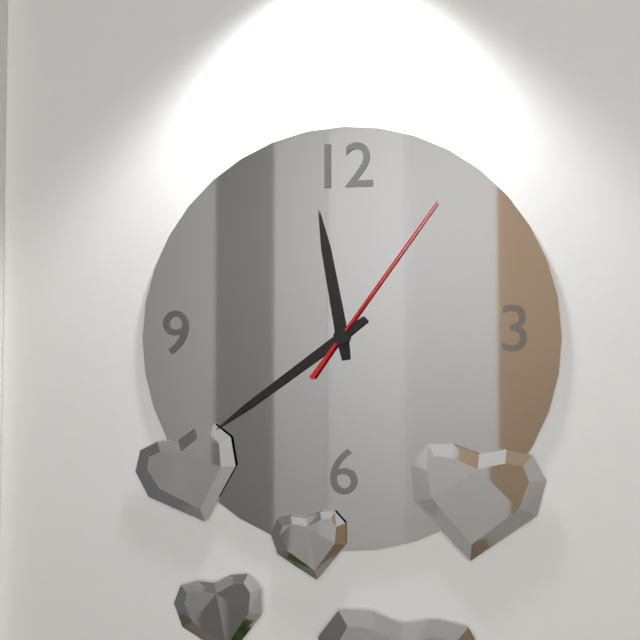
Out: {"hour": 11, "minute": 39, "second": 6}
